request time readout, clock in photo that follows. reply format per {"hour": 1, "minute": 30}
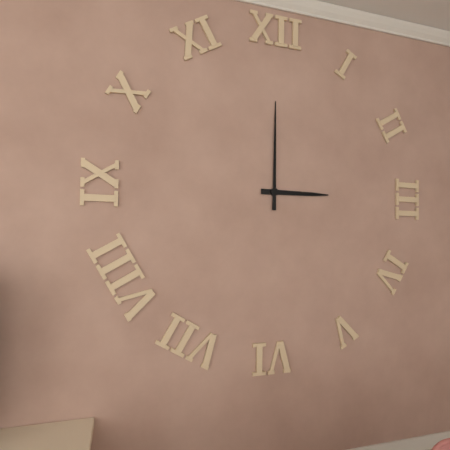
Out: {"hour": 3, "minute": 0}
